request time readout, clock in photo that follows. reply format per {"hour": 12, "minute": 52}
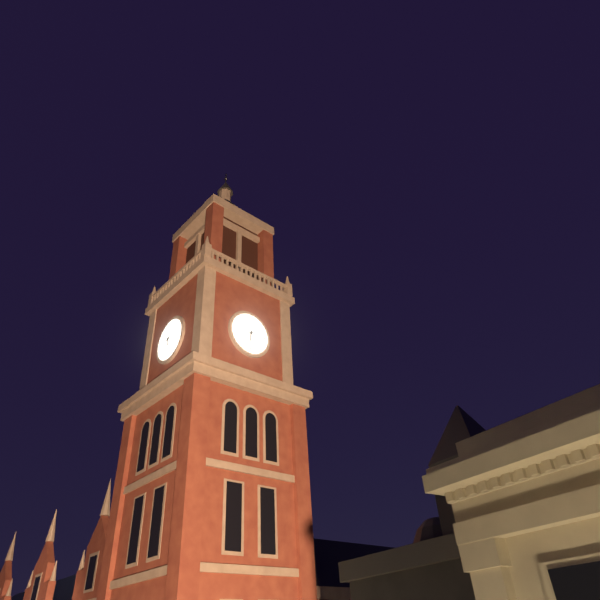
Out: {"hour": 6, "minute": 12}
